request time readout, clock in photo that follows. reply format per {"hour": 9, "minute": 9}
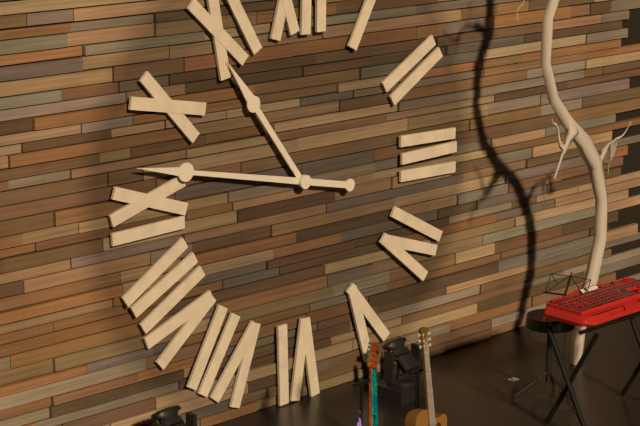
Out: {"hour": 10, "minute": 47}
